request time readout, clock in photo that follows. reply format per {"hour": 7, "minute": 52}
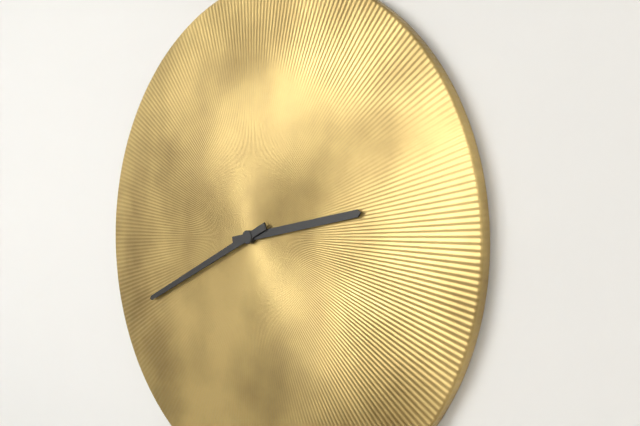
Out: {"hour": 2, "minute": 41}
